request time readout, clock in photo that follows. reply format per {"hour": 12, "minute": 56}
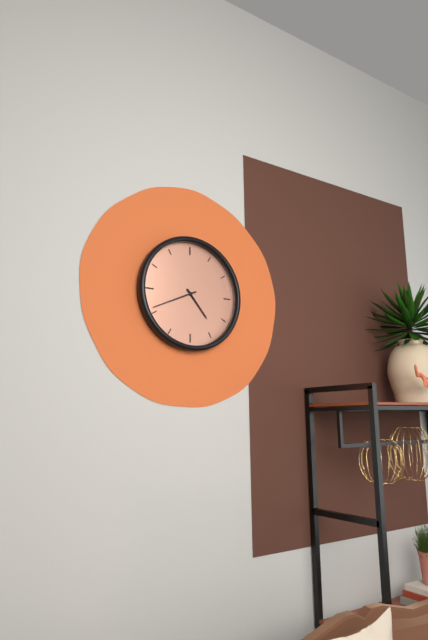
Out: {"hour": 4, "minute": 41}
